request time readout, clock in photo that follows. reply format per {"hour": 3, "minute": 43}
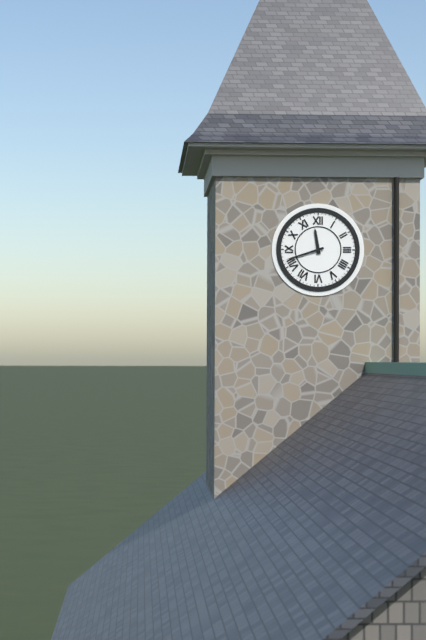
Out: {"hour": 11, "minute": 42}
